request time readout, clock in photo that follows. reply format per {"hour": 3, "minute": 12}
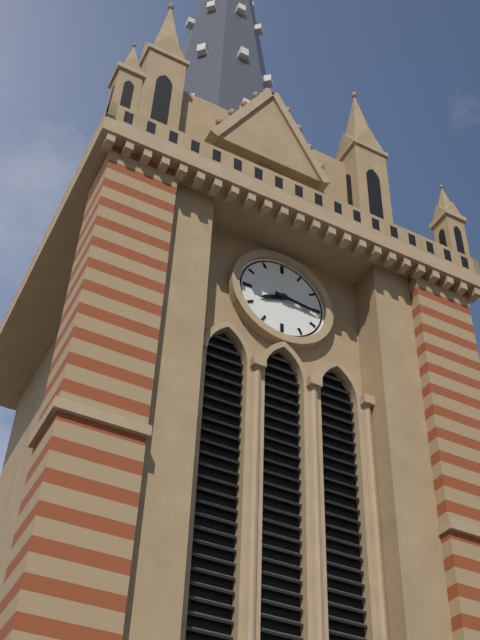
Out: {"hour": 8, "minute": 16}
